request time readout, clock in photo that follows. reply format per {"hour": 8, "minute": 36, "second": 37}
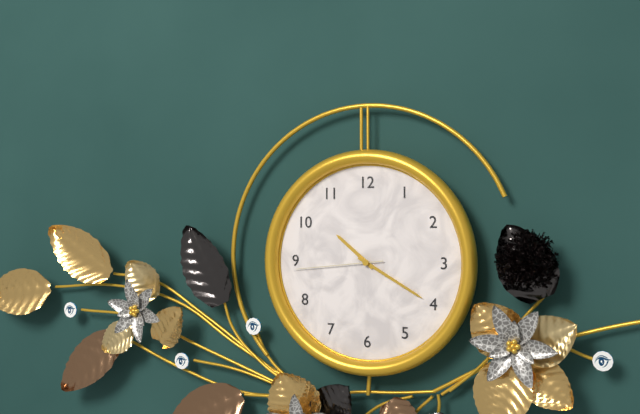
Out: {"hour": 10, "minute": 20, "second": 44}
